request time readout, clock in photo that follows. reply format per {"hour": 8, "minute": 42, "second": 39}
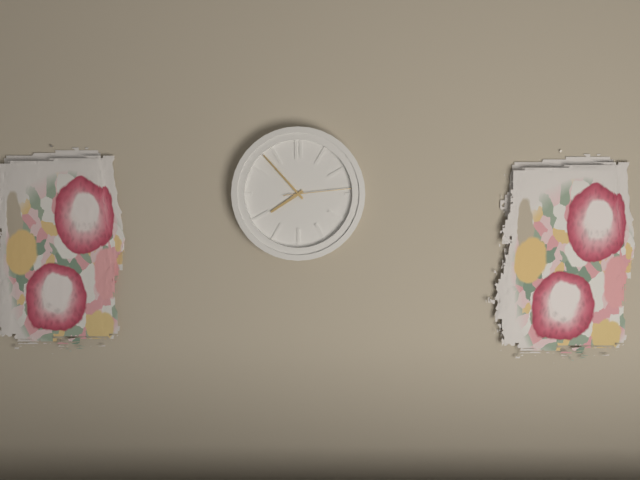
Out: {"hour": 7, "minute": 53, "second": 14}
